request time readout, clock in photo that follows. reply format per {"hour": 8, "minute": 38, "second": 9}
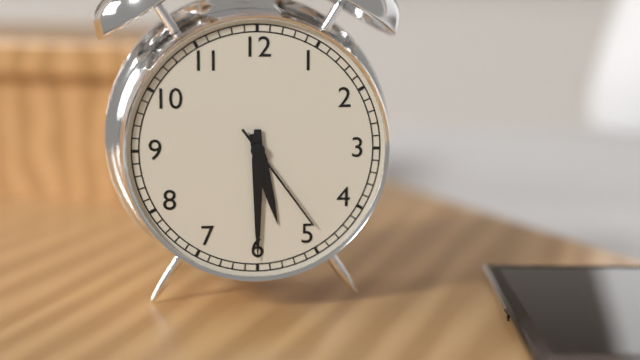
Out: {"hour": 5, "minute": 30, "second": 24}
